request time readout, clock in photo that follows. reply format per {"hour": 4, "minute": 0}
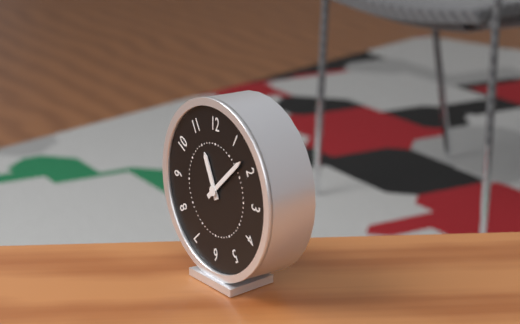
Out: {"hour": 11, "minute": 8}
